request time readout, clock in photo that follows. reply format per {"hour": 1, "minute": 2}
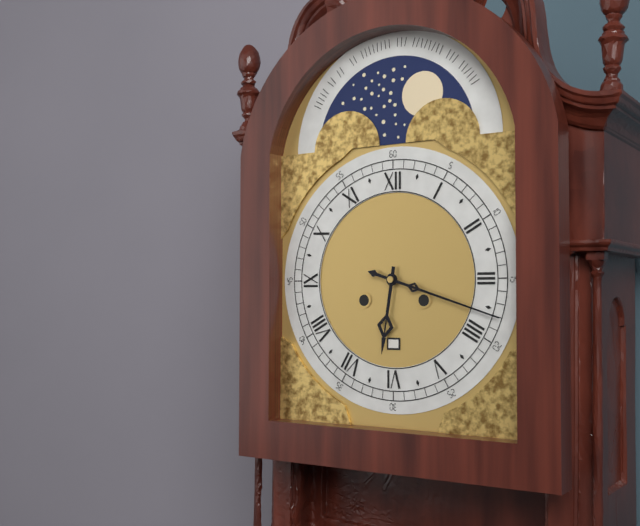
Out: {"hour": 6, "minute": 18}
